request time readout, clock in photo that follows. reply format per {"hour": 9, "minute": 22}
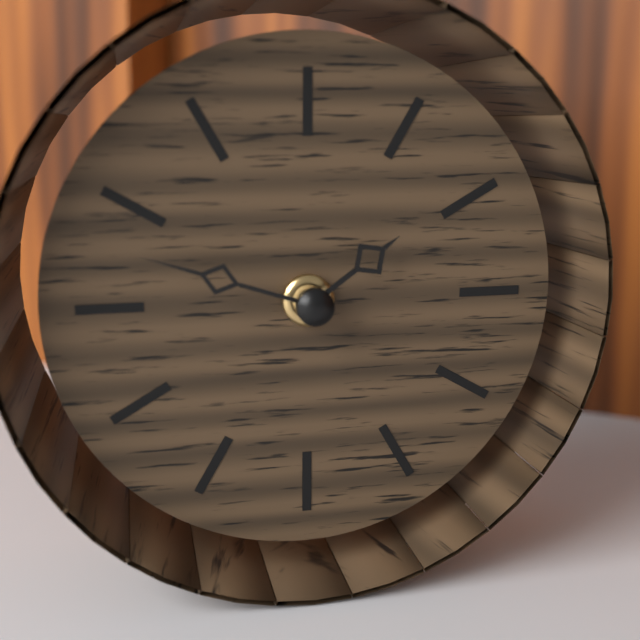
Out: {"hour": 1, "minute": 48}
